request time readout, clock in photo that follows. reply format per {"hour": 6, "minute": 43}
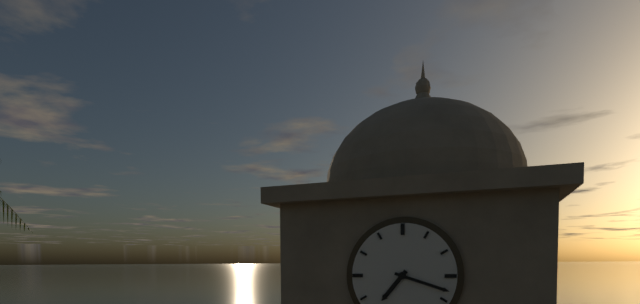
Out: {"hour": 7, "minute": 18}
